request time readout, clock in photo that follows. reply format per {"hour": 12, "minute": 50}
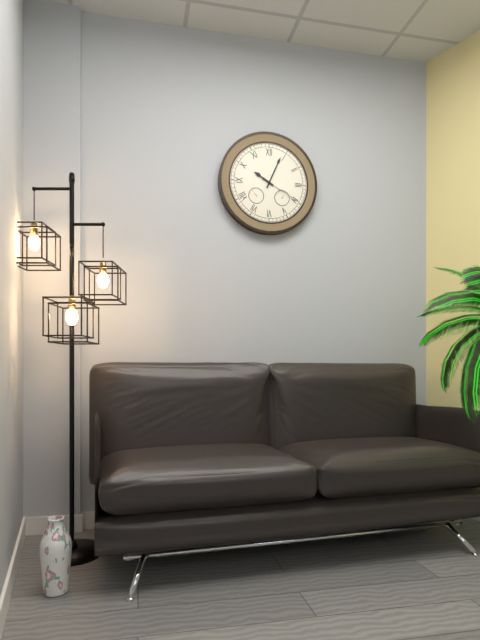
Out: {"hour": 10, "minute": 4}
